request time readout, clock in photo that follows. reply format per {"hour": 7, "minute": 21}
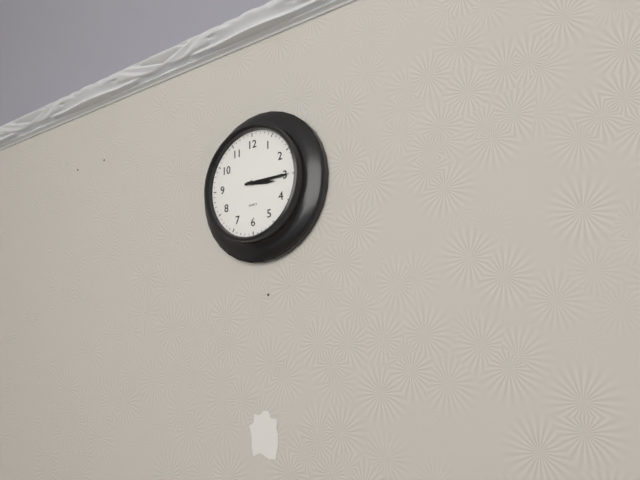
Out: {"hour": 3, "minute": 15}
